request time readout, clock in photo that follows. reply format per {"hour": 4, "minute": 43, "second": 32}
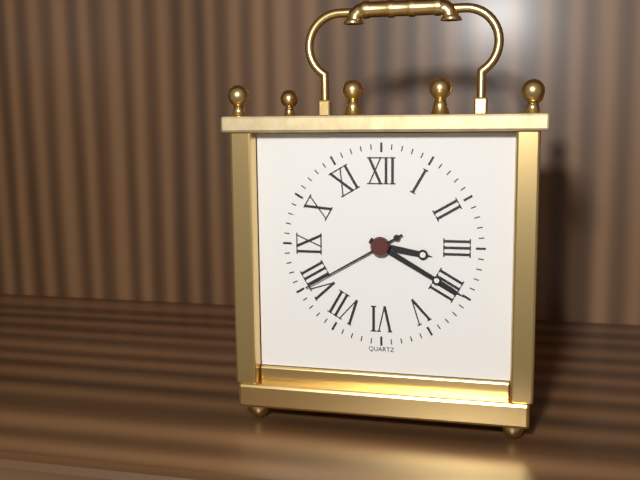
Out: {"hour": 3, "minute": 20, "second": 40}
